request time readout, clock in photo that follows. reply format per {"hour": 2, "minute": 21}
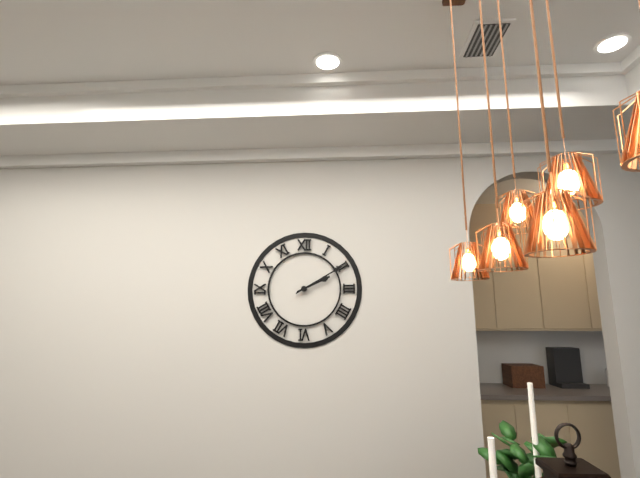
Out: {"hour": 2, "minute": 10}
